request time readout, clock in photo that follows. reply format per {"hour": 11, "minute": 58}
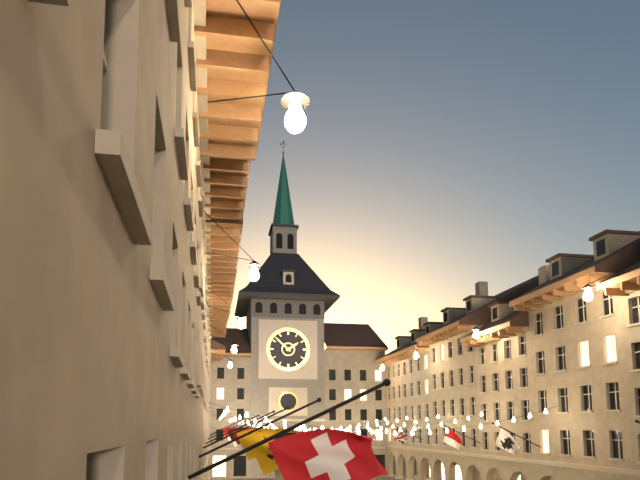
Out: {"hour": 1, "minute": 52}
